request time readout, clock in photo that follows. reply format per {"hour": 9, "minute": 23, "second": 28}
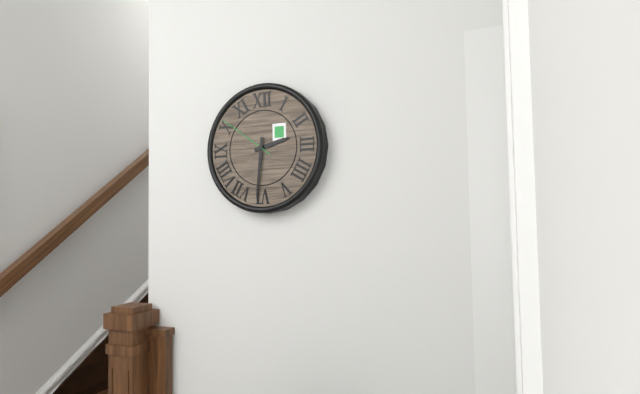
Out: {"hour": 2, "minute": 31, "second": 51}
